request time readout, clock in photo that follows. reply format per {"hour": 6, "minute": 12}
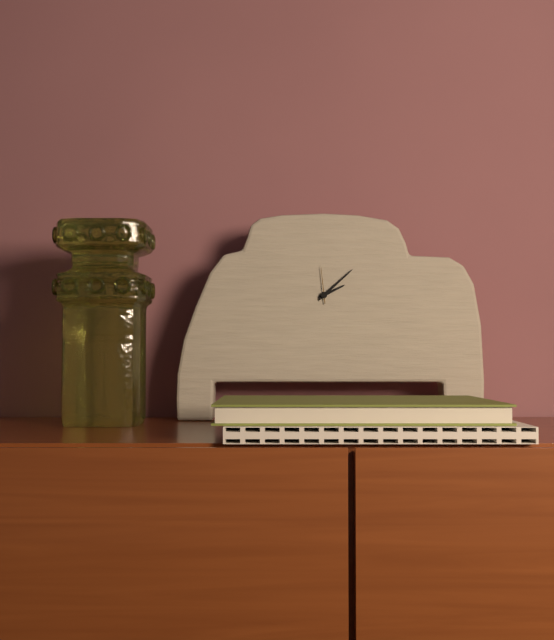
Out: {"hour": 2, "minute": 8}
